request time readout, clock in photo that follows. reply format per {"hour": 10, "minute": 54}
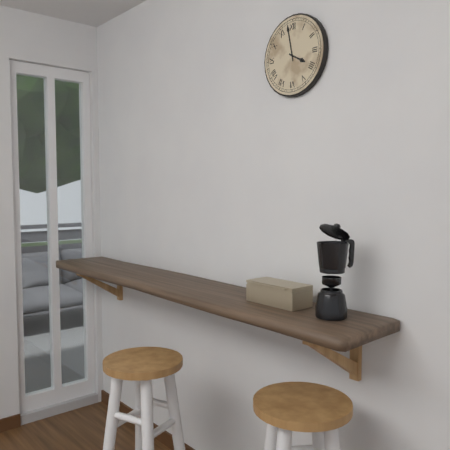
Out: {"hour": 3, "minute": 58}
